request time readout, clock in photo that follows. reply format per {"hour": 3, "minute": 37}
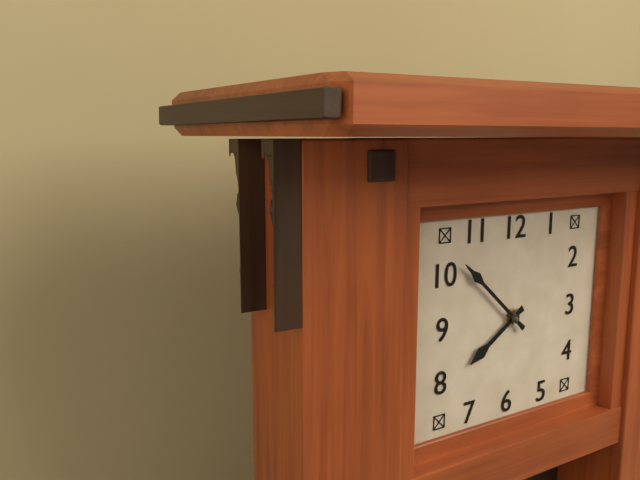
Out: {"hour": 7, "minute": 52}
